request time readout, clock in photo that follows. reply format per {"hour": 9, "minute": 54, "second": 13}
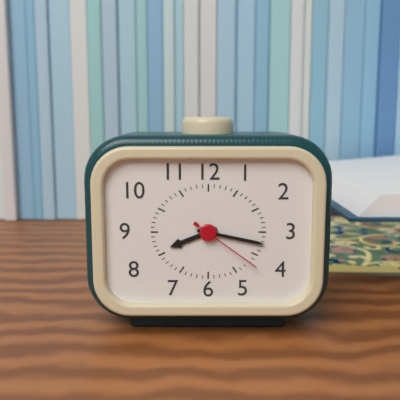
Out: {"hour": 8, "minute": 17, "second": 21}
